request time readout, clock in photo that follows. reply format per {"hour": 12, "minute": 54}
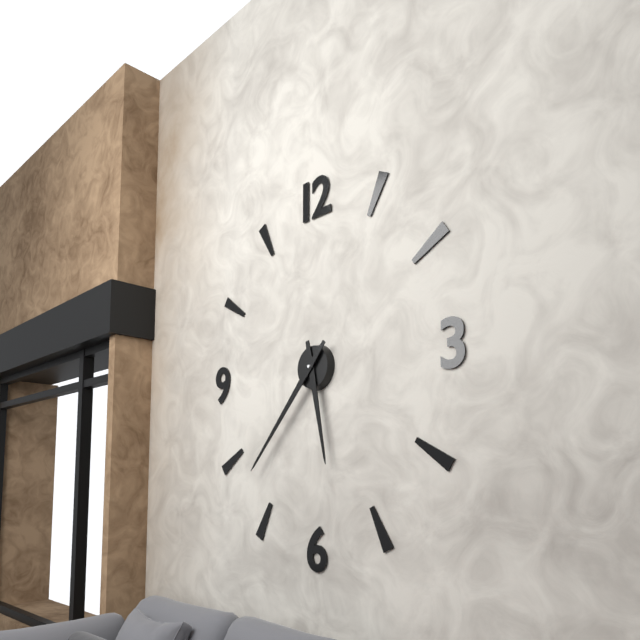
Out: {"hour": 5, "minute": 37}
